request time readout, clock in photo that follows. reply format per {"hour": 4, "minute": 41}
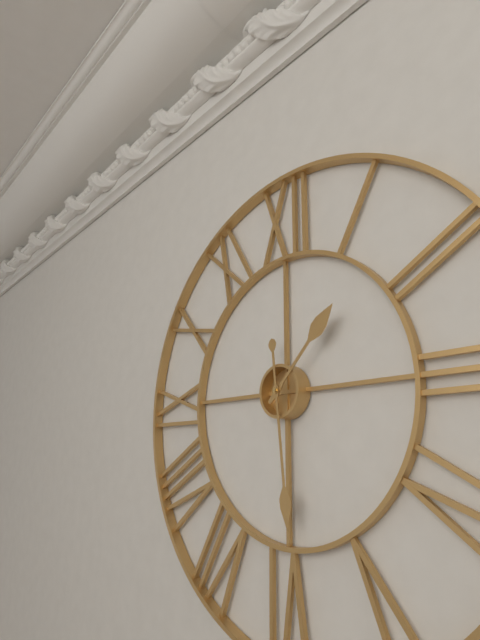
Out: {"hour": 1, "minute": 29}
